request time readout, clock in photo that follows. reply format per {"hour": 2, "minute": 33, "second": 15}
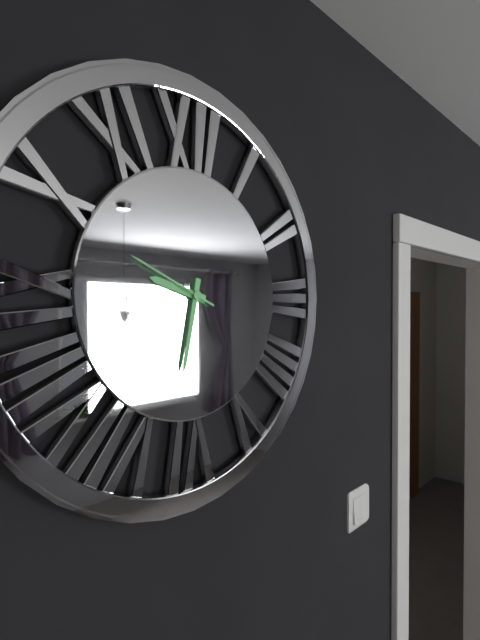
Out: {"hour": 9, "minute": 32, "second": 49}
